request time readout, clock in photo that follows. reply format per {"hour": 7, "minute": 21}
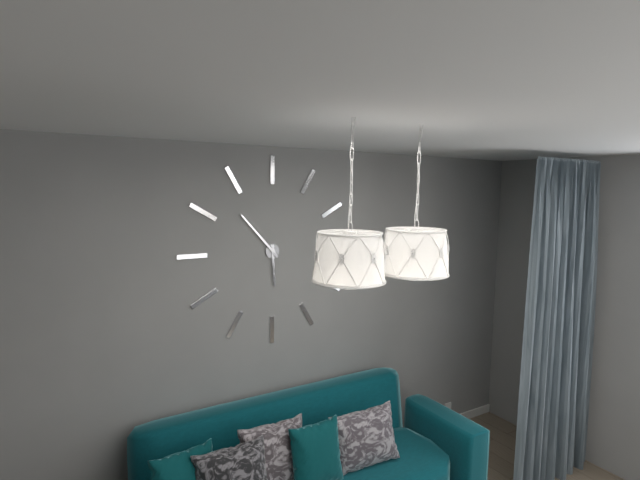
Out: {"hour": 5, "minute": 53}
